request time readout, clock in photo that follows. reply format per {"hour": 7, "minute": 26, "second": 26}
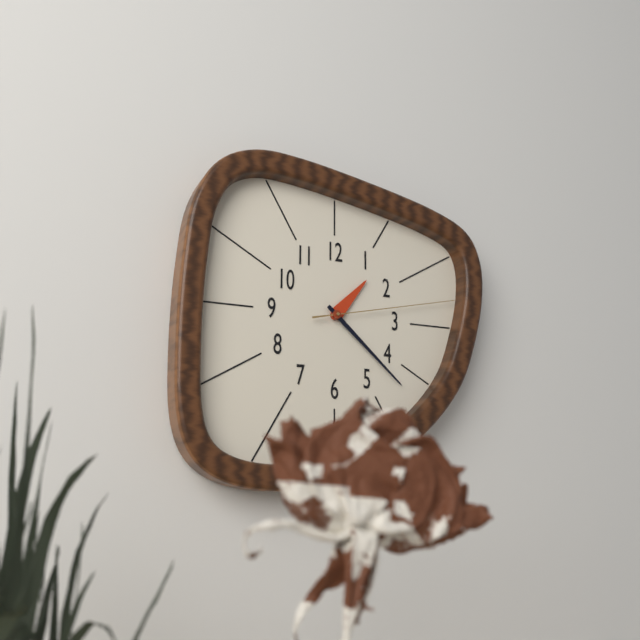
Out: {"hour": 1, "minute": 22, "second": 13}
